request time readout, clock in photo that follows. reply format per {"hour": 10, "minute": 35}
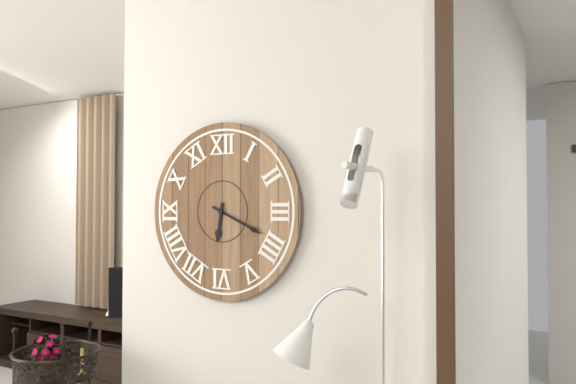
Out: {"hour": 6, "minute": 19}
